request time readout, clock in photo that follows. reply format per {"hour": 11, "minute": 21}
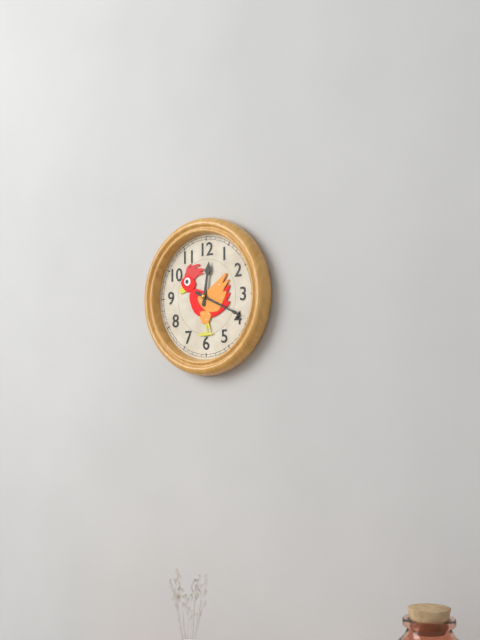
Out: {"hour": 12, "minute": 19}
